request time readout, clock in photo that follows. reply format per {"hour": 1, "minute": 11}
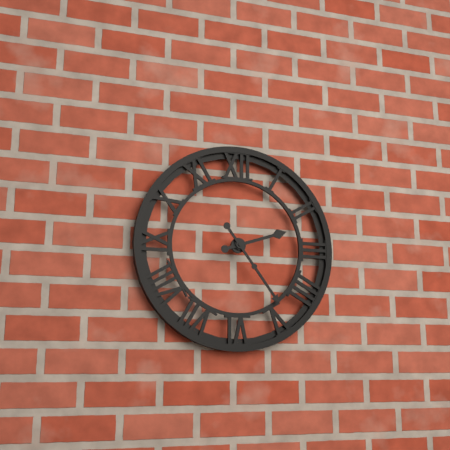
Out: {"hour": 2, "minute": 24}
